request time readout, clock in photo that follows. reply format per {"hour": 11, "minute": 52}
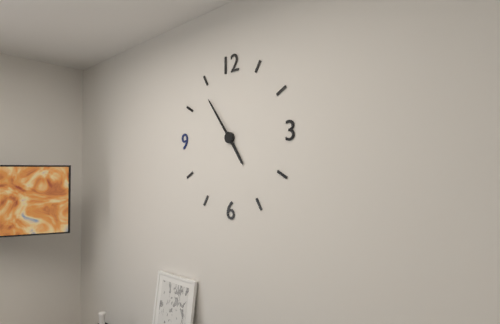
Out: {"hour": 4, "minute": 54}
